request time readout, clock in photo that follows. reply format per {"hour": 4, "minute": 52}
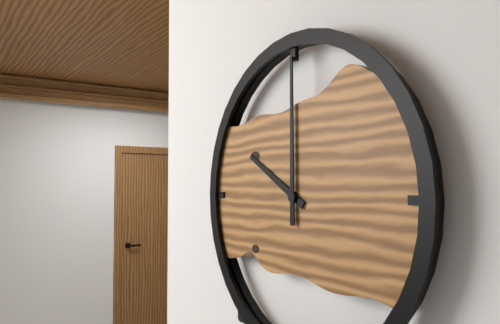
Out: {"hour": 10, "minute": 0}
